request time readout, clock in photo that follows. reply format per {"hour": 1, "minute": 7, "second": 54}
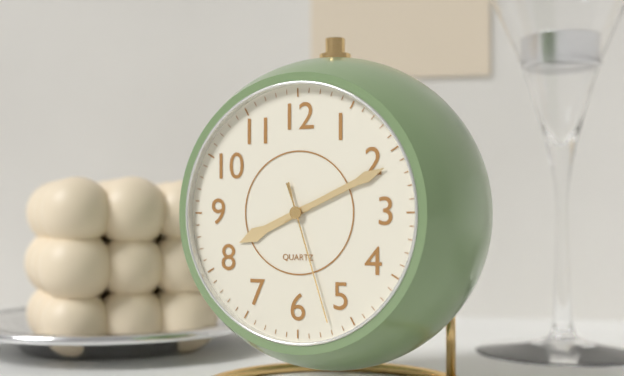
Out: {"hour": 8, "minute": 11, "second": 27}
